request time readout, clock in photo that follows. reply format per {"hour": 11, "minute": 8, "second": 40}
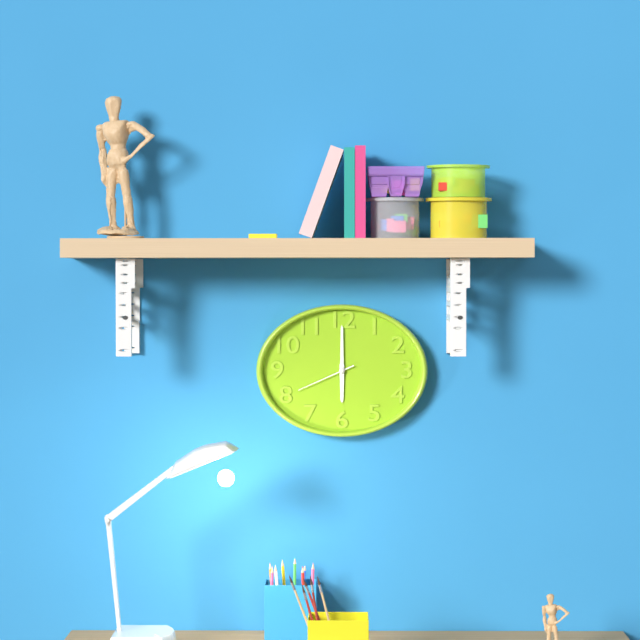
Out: {"hour": 6, "minute": 0, "second": 41}
